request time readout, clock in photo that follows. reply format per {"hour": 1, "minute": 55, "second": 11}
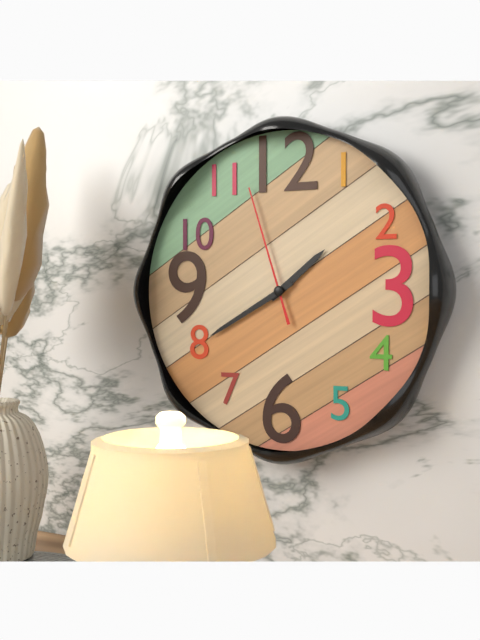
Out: {"hour": 1, "minute": 40, "second": 57}
